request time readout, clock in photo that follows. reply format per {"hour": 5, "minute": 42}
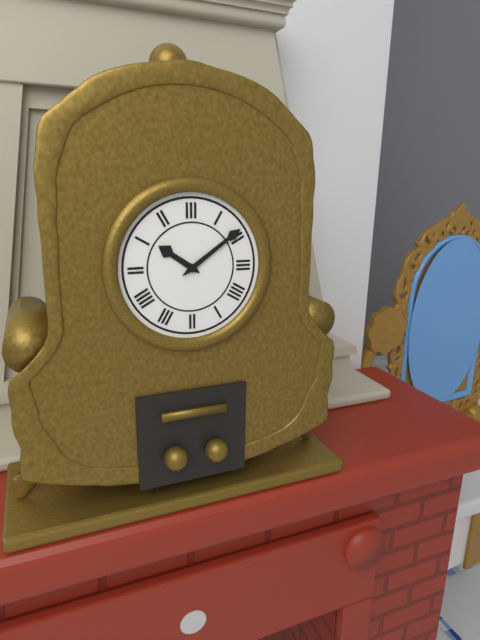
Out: {"hour": 10, "minute": 9}
